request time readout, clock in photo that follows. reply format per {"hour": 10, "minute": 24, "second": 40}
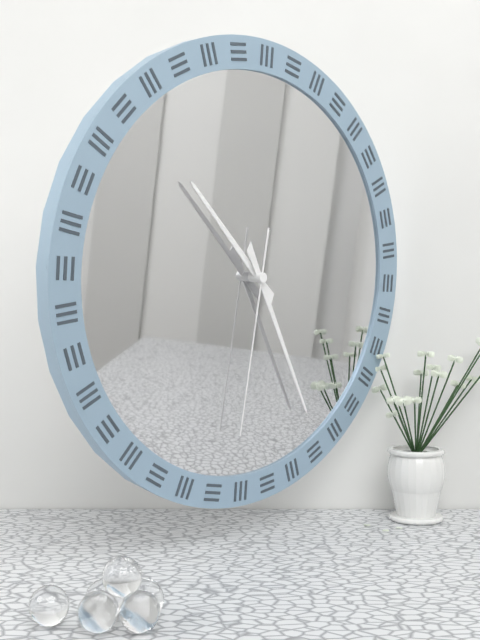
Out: {"hour": 10, "minute": 25, "second": 31}
